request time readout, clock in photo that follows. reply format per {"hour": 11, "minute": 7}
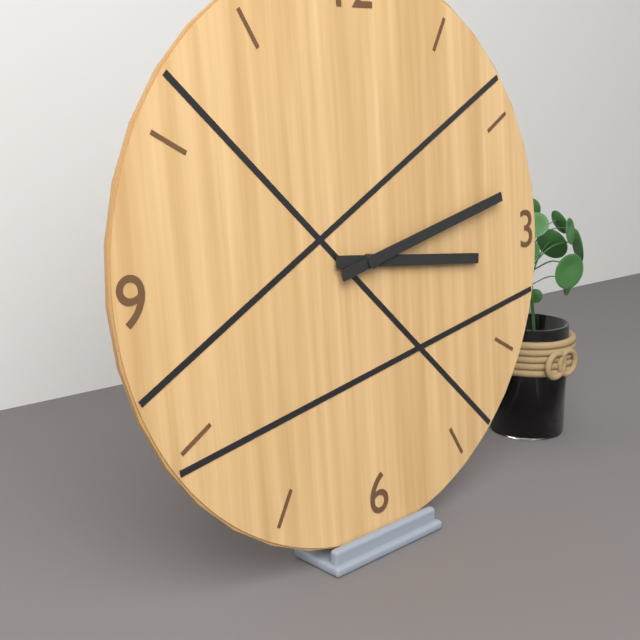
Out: {"hour": 3, "minute": 13}
